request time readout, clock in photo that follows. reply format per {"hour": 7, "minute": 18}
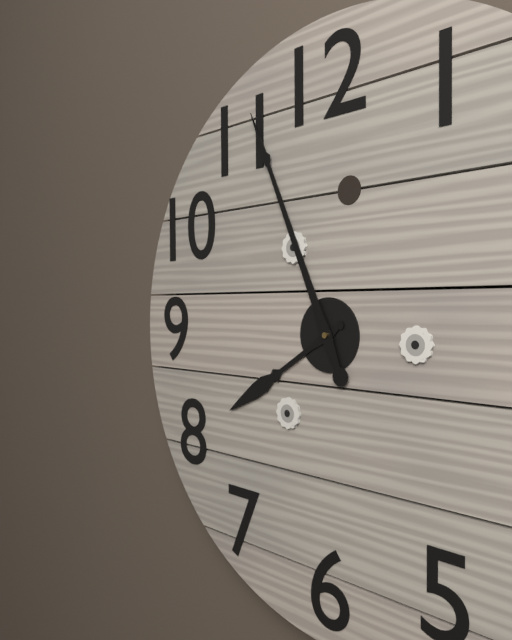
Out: {"hour": 7, "minute": 56}
